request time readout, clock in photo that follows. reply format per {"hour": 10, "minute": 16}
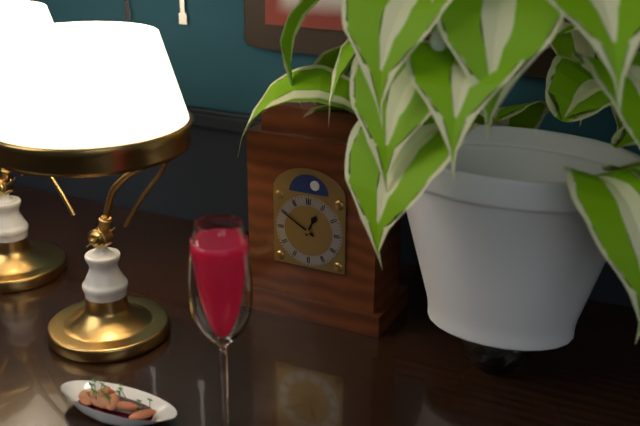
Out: {"hour": 12, "minute": 50}
